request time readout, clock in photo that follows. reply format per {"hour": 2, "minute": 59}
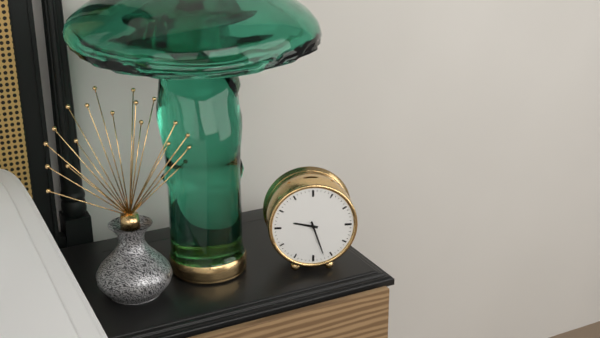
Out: {"hour": 9, "minute": 27}
